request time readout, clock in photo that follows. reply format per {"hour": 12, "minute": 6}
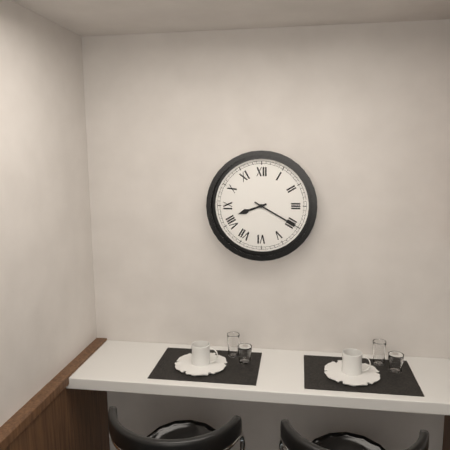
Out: {"hour": 8, "minute": 20}
